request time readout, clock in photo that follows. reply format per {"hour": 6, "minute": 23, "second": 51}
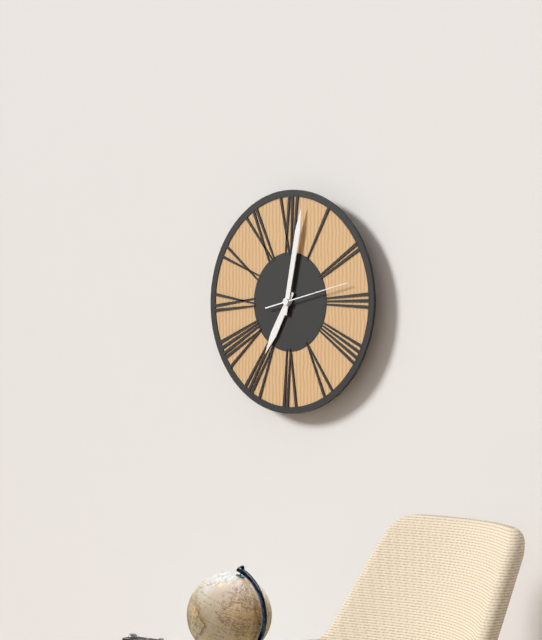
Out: {"hour": 7, "minute": 2, "second": 13}
